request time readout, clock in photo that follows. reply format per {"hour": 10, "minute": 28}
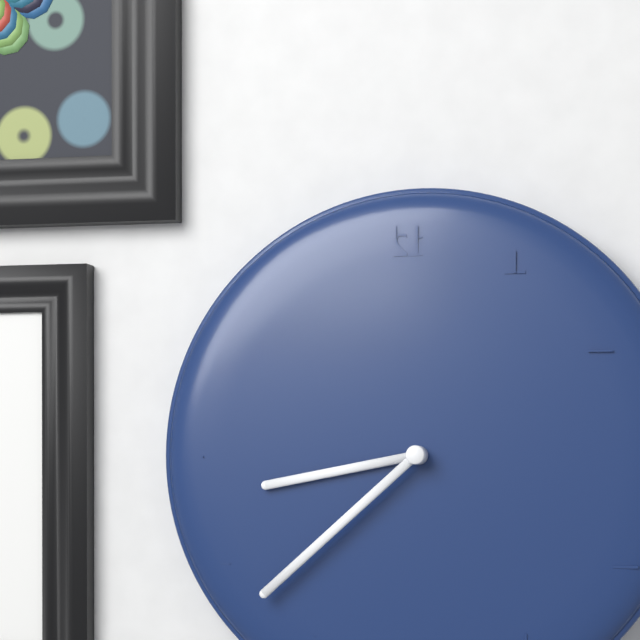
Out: {"hour": 8, "minute": 38}
